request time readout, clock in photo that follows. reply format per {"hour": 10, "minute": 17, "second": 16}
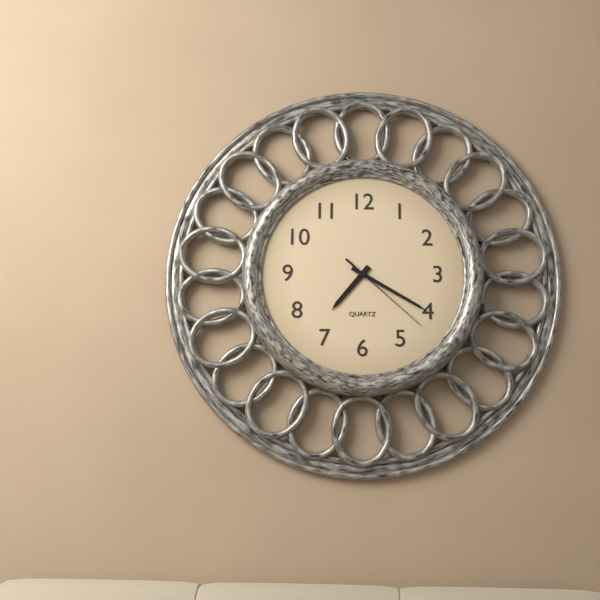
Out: {"hour": 7, "minute": 20, "second": 22}
